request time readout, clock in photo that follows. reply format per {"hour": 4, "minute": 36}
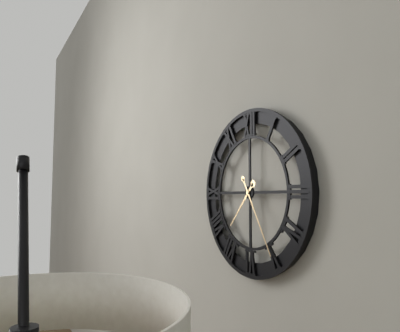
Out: {"hour": 7, "minute": 25}
